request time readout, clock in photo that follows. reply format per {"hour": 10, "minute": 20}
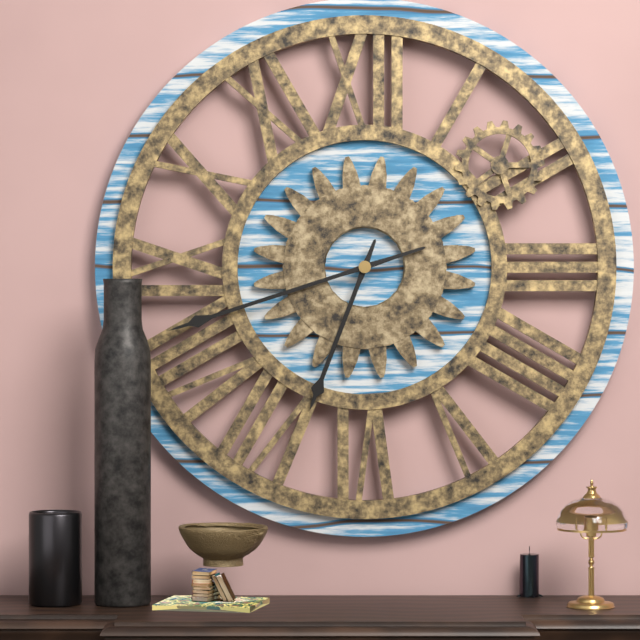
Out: {"hour": 6, "minute": 42}
